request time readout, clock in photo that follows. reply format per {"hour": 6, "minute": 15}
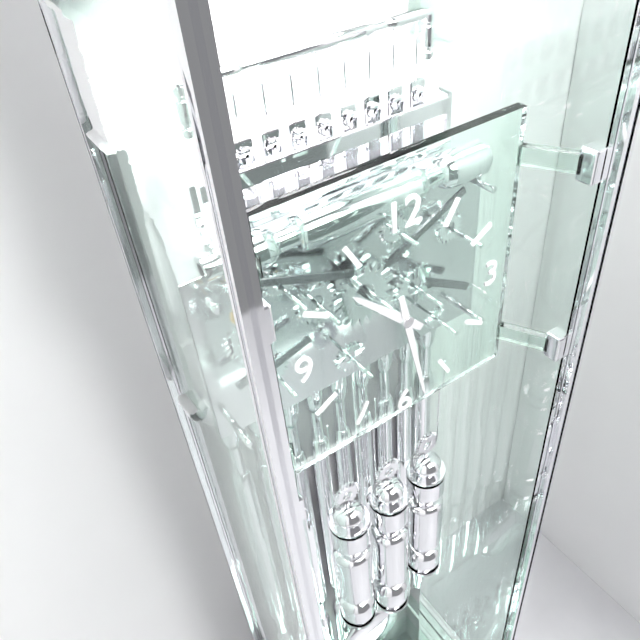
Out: {"hour": 10, "minute": 28}
